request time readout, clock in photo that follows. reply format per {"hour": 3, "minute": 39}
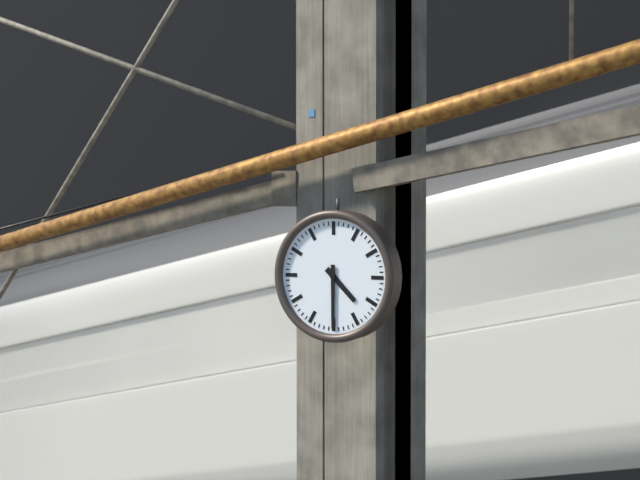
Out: {"hour": 4, "minute": 30}
